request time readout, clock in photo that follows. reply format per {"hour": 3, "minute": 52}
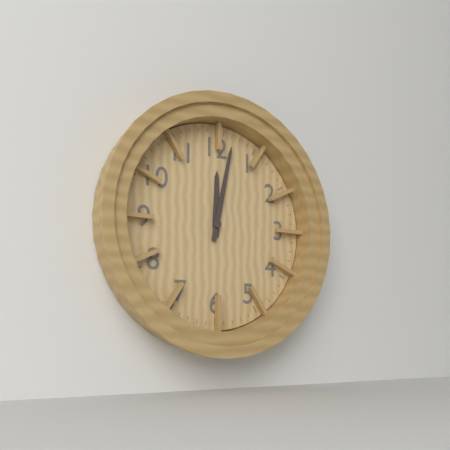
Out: {"hour": 12, "minute": 2}
